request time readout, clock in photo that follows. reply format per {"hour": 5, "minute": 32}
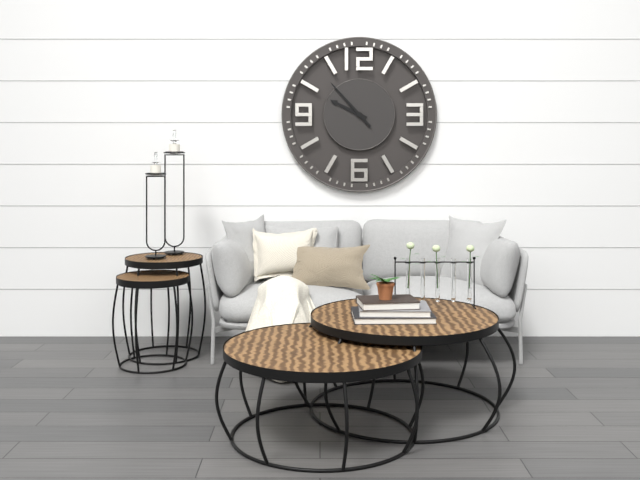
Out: {"hour": 9, "minute": 53}
